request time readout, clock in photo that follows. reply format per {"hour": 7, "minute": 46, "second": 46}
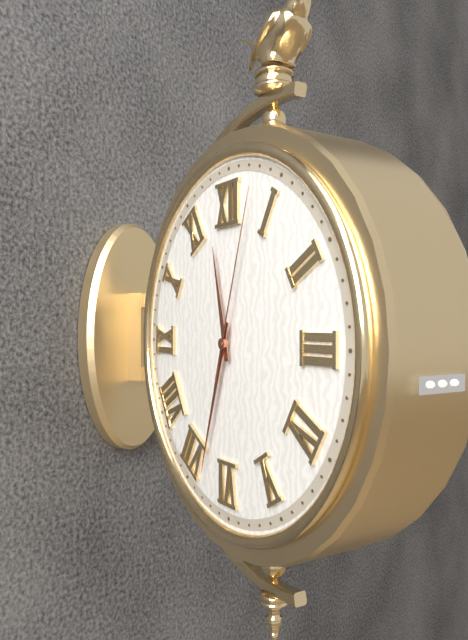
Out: {"hour": 11, "minute": 33, "second": 3}
